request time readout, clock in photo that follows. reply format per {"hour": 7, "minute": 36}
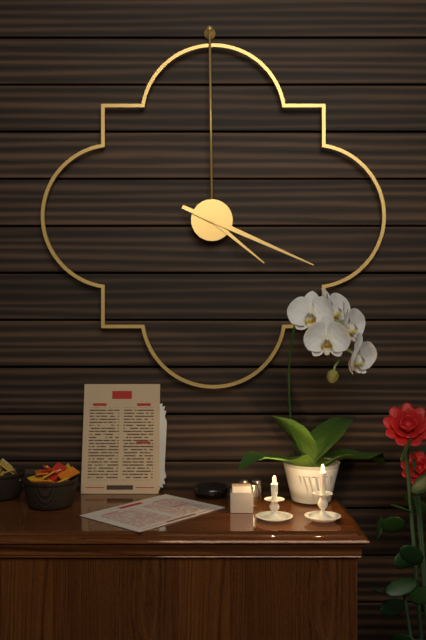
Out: {"hour": 4, "minute": 19}
